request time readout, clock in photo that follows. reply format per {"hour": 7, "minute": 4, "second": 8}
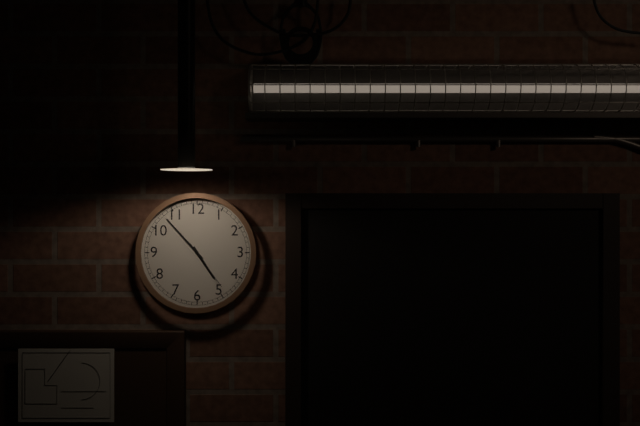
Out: {"hour": 4, "minute": 53, "second": 24}
